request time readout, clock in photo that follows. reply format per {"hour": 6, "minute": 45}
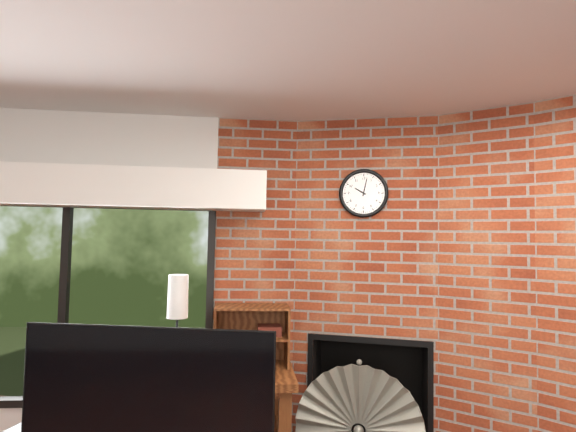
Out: {"hour": 10, "minute": 2}
